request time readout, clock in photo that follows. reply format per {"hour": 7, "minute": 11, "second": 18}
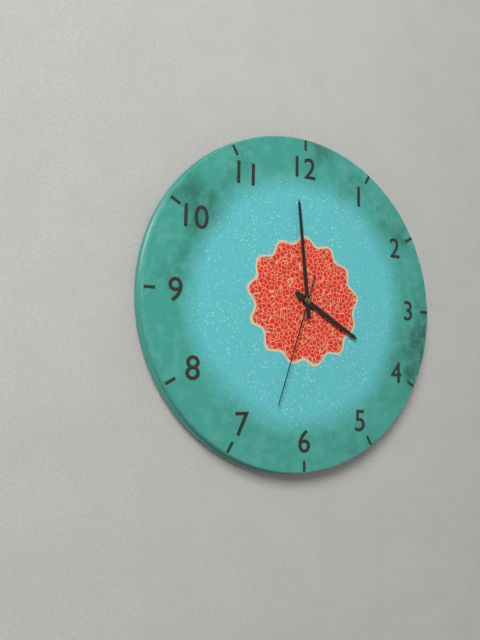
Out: {"hour": 3, "minute": 59, "second": 33}
